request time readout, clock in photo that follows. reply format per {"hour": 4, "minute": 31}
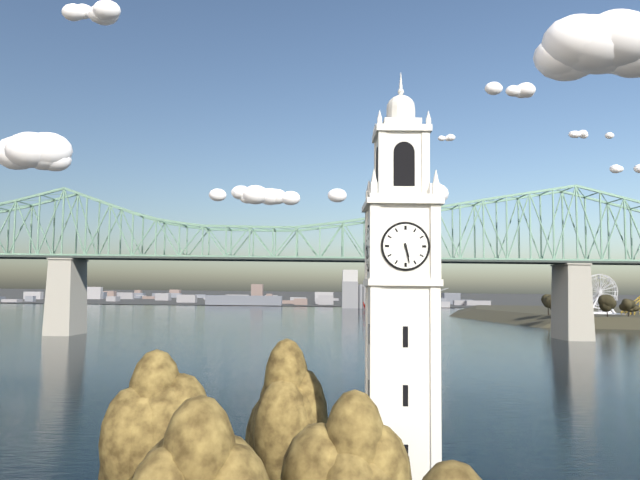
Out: {"hour": 5, "minute": 28}
